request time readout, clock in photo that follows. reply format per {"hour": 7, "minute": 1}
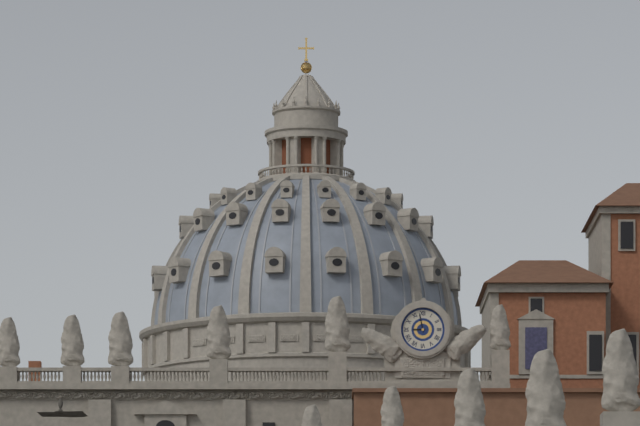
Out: {"hour": 8, "minute": 58}
